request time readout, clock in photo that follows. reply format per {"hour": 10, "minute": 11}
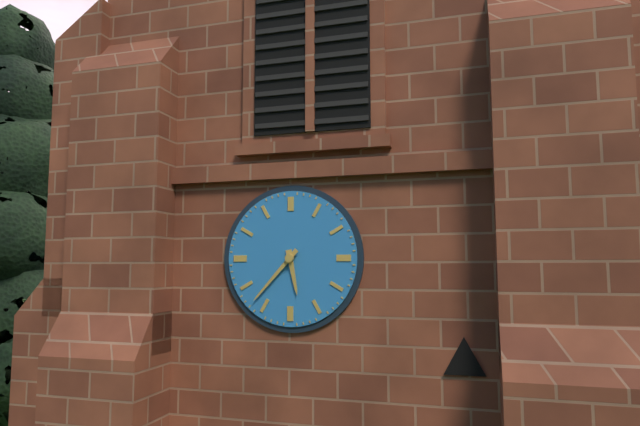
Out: {"hour": 5, "minute": 37}
